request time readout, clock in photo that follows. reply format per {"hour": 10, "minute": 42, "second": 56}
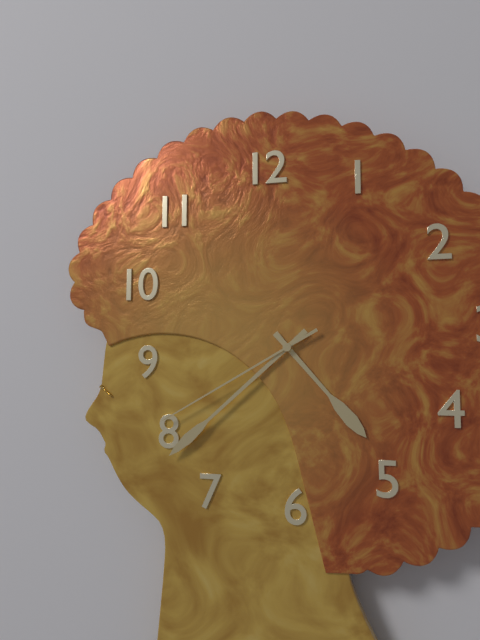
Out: {"hour": 4, "minute": 38, "second": 40}
